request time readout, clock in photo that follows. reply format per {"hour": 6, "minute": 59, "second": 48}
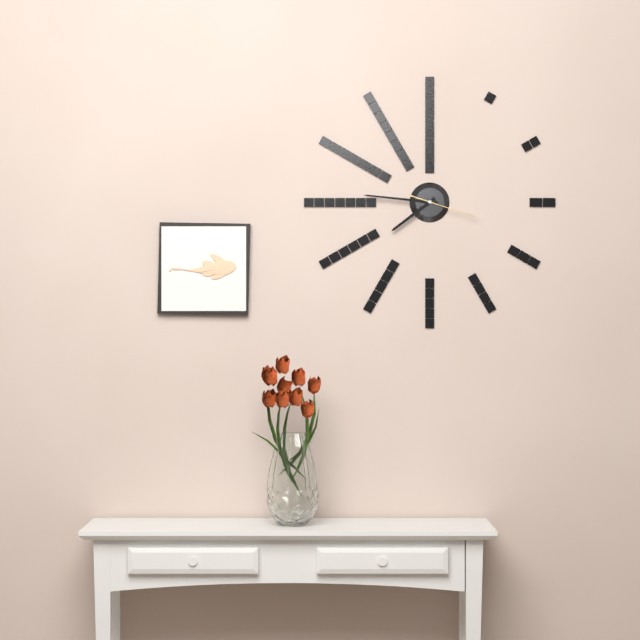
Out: {"hour": 7, "minute": 46, "second": 18}
